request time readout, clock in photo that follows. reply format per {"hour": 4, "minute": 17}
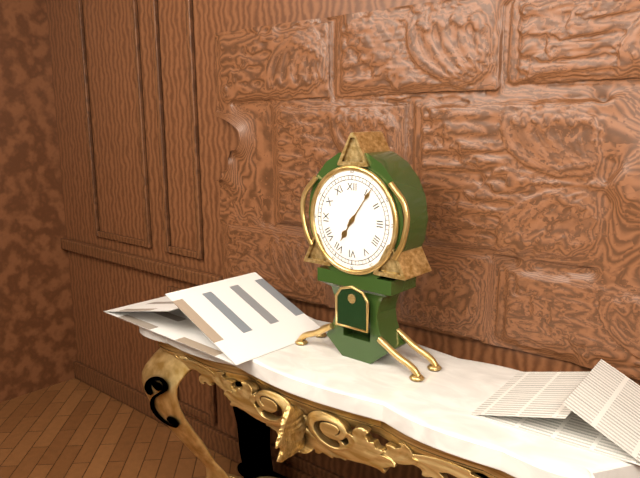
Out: {"hour": 7, "minute": 6}
